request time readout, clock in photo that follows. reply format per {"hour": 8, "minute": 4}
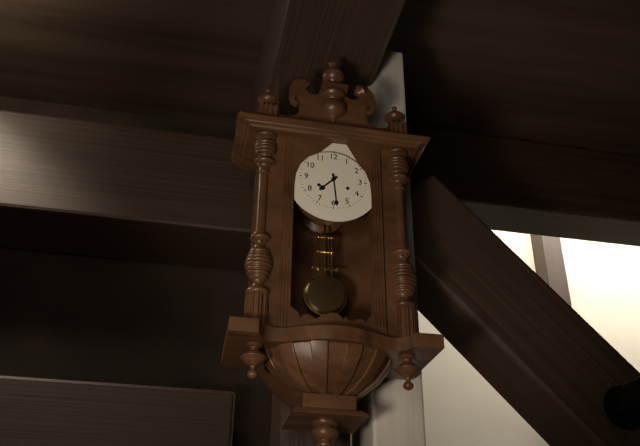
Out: {"hour": 7, "minute": 29}
